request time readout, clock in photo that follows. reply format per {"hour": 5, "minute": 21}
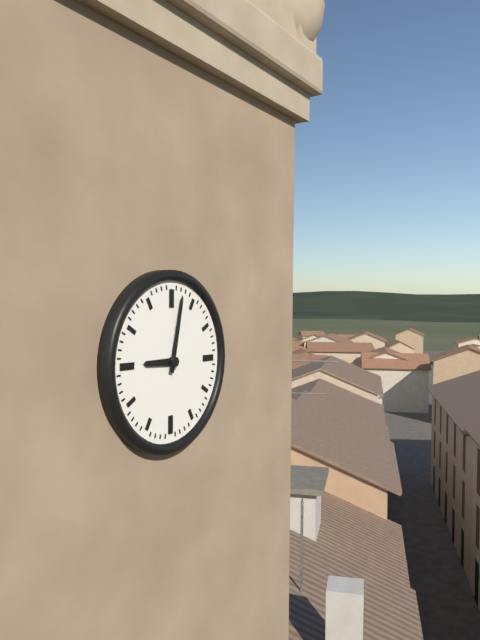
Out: {"hour": 9, "minute": 2}
